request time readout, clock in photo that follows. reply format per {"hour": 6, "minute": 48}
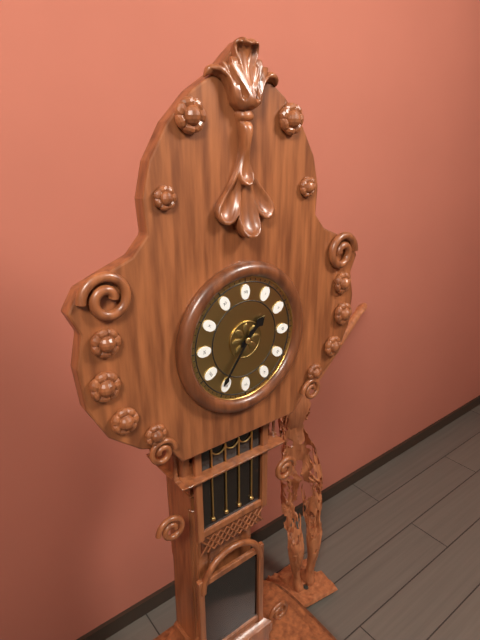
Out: {"hour": 1, "minute": 36}
